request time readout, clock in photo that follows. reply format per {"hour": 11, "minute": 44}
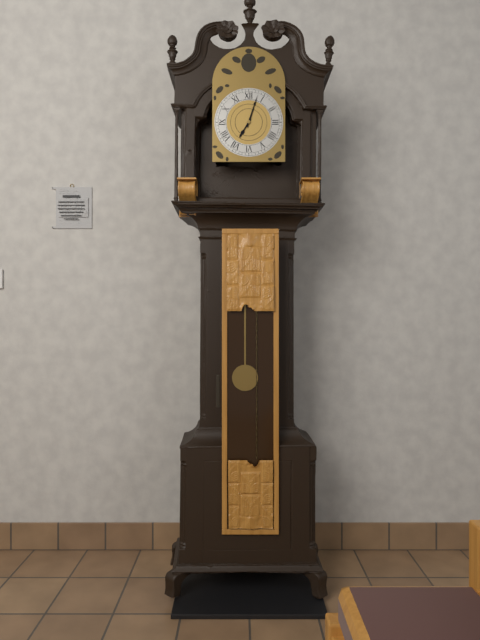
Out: {"hour": 7, "minute": 3}
